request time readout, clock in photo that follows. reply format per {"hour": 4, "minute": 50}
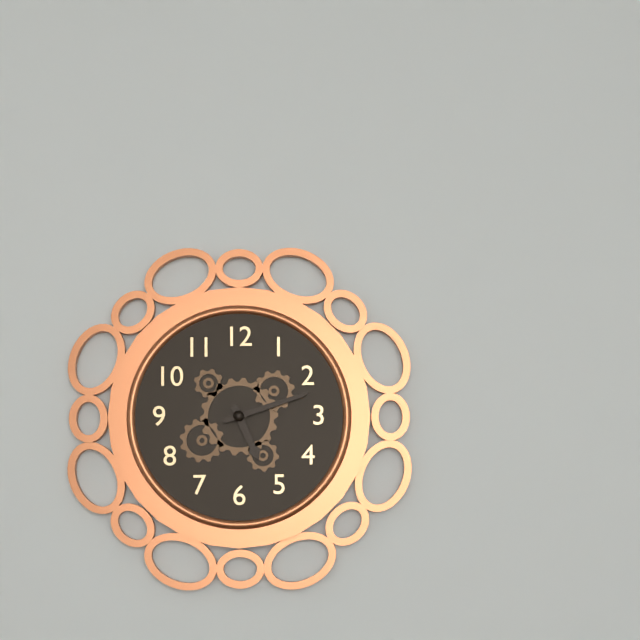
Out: {"hour": 5, "minute": 12}
